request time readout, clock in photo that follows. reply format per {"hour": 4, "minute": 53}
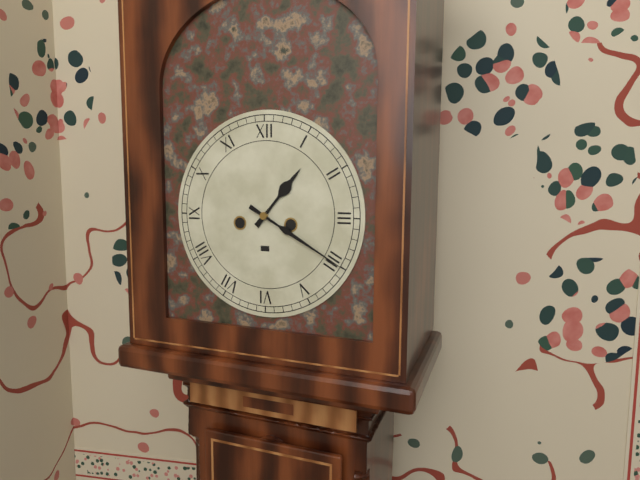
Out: {"hour": 1, "minute": 20}
